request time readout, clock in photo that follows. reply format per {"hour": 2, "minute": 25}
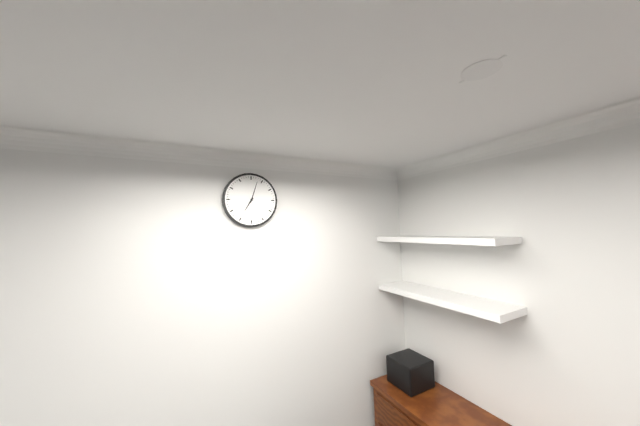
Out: {"hour": 7, "minute": 3}
